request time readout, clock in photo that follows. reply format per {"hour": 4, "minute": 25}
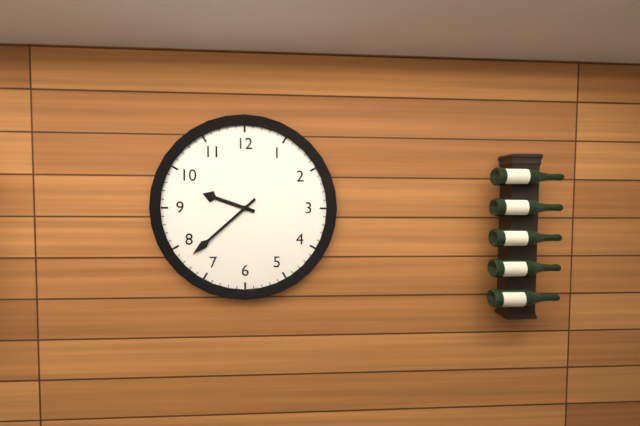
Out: {"hour": 9, "minute": 38}
